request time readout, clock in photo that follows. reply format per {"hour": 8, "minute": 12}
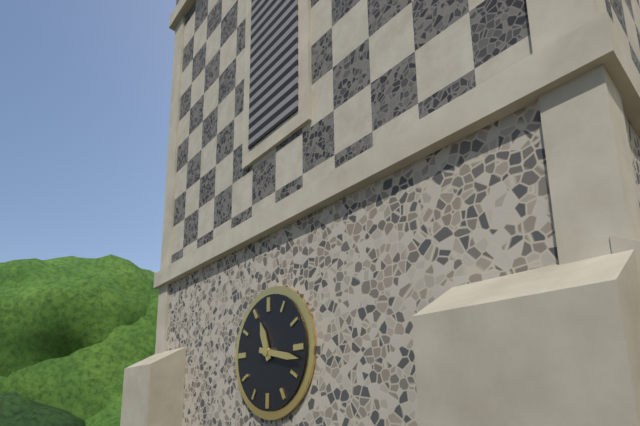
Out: {"hour": 11, "minute": 17}
